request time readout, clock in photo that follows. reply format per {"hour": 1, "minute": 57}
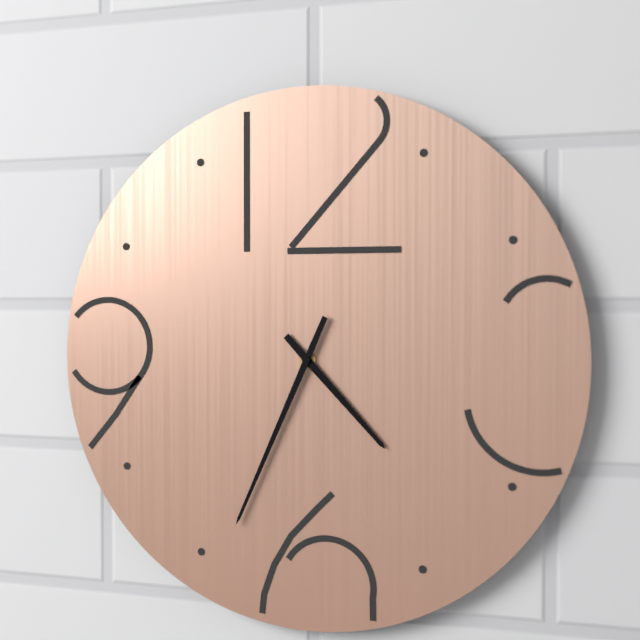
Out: {"hour": 4, "minute": 34}
